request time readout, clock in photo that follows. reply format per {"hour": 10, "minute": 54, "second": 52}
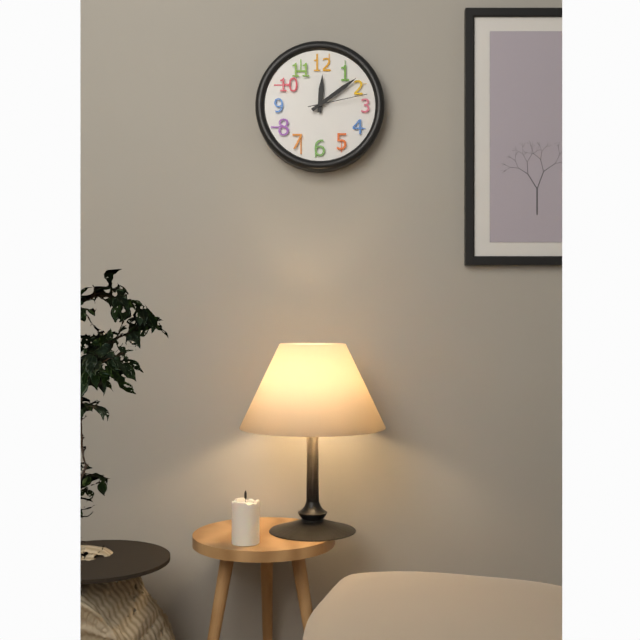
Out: {"hour": 12, "minute": 9, "second": 13}
